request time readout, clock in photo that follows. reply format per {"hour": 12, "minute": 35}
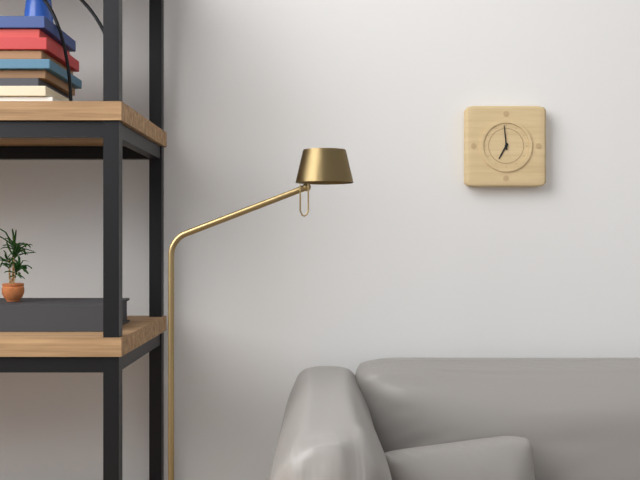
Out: {"hour": 6, "minute": 59}
